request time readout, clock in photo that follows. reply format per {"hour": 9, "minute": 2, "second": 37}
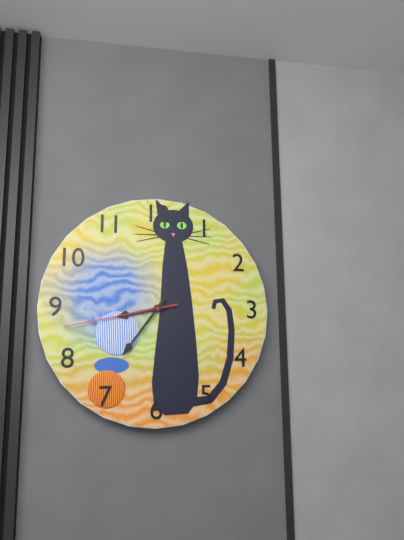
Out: {"hour": 8, "minute": 36, "second": 43}
